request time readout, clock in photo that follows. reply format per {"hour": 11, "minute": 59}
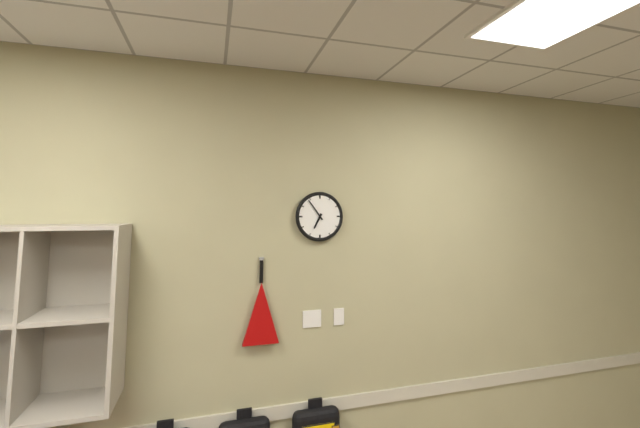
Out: {"hour": 6, "minute": 54}
